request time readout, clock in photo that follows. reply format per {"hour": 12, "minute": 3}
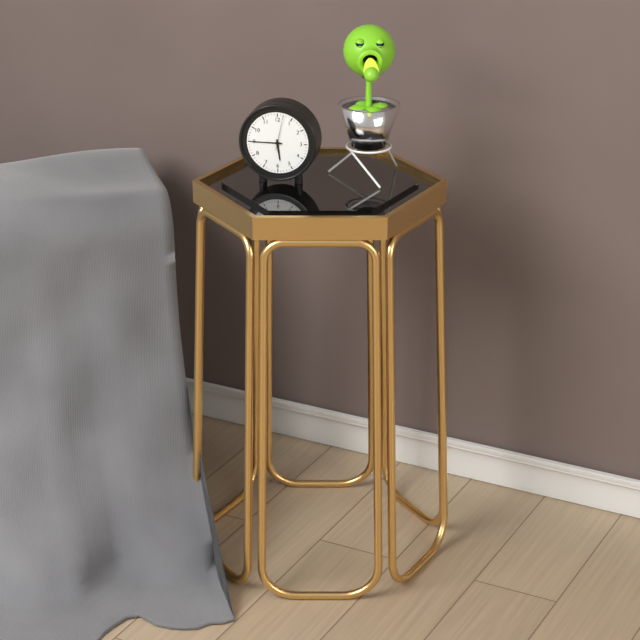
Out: {"hour": 5, "minute": 45}
